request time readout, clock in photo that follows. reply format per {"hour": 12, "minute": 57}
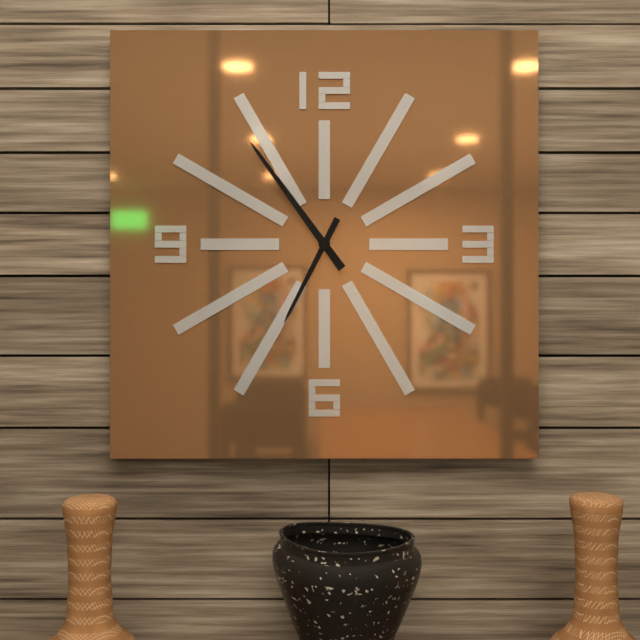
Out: {"hour": 6, "minute": 54}
